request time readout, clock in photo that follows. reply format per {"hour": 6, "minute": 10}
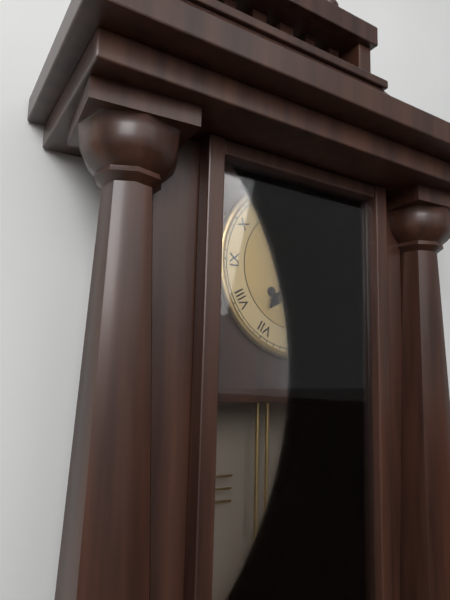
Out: {"hour": 7, "minute": 12}
